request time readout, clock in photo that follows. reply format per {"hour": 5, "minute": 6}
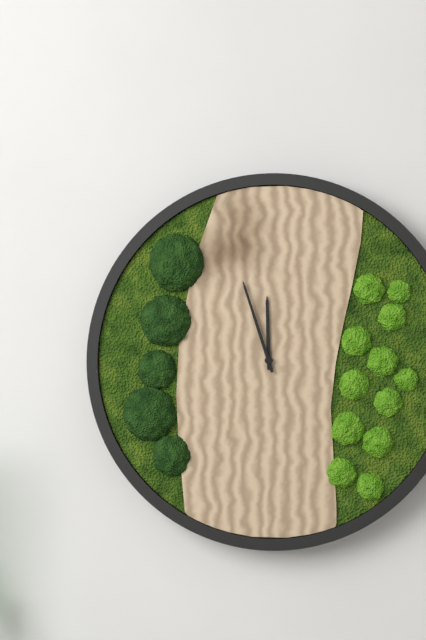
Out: {"hour": 11, "minute": 57}
